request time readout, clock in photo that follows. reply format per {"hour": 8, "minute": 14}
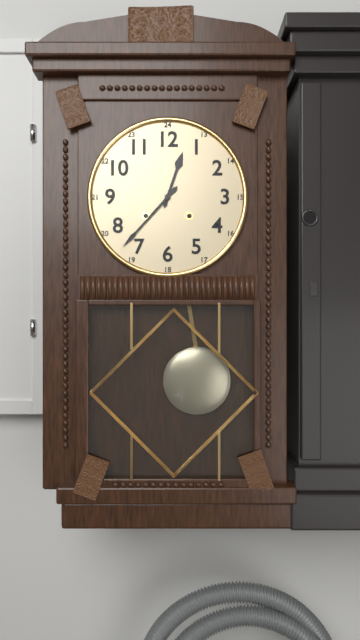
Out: {"hour": 12, "minute": 37}
